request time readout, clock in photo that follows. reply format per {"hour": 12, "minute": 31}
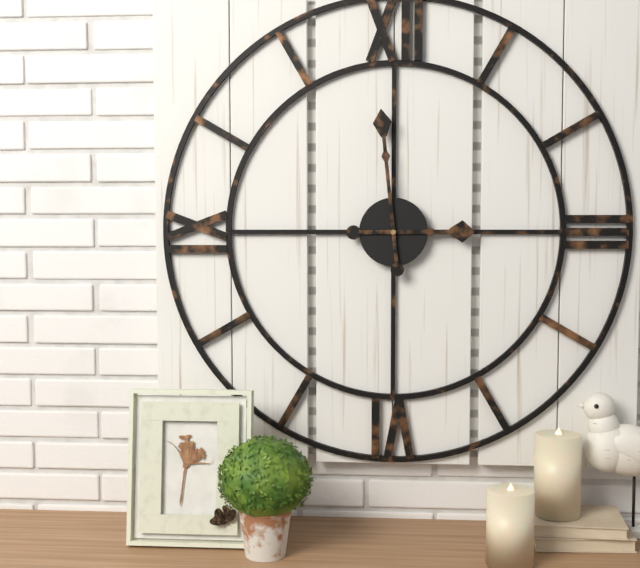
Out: {"hour": 2, "minute": 59}
